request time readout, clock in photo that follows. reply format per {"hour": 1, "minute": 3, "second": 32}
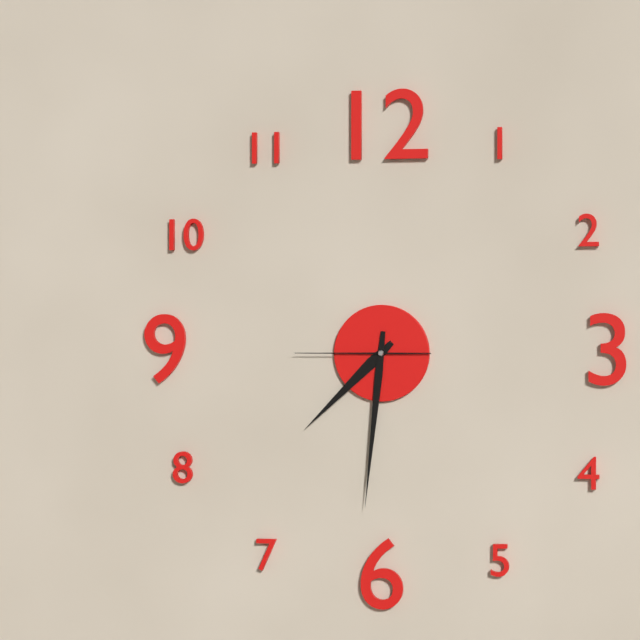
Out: {"hour": 7, "minute": 31, "second": 45}
